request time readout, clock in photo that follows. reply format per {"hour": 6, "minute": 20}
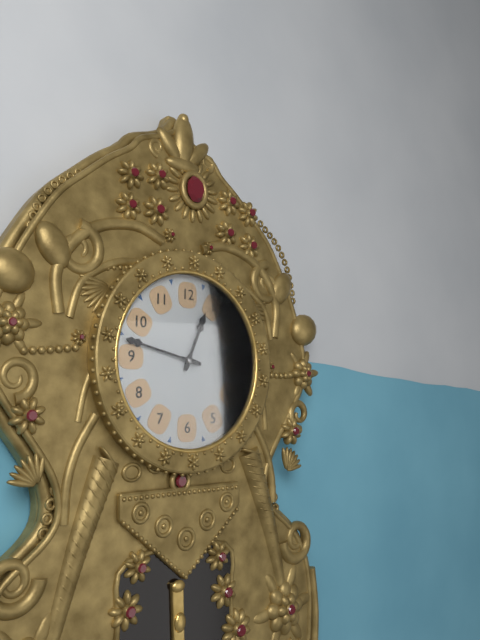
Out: {"hour": 12, "minute": 47}
